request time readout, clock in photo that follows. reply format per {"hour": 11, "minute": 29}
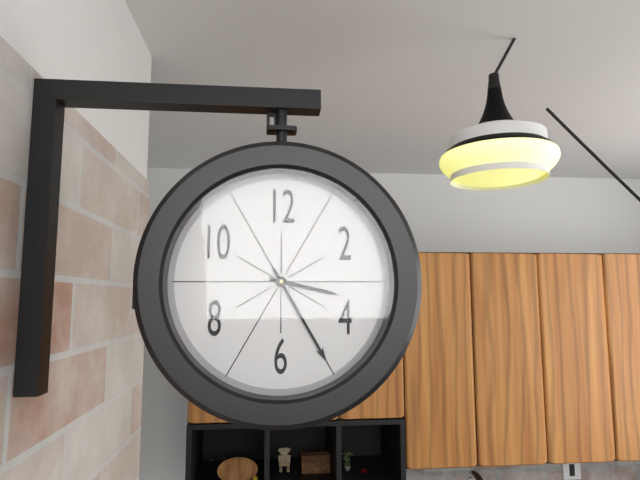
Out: {"hour": 3, "minute": 25}
